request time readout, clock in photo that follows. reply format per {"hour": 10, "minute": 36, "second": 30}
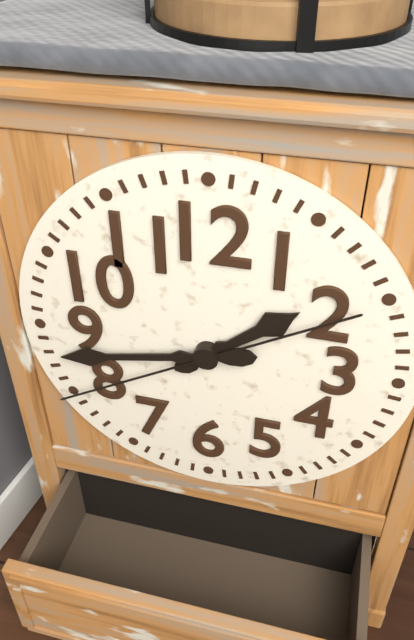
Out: {"hour": 1, "minute": 43, "second": 40}
